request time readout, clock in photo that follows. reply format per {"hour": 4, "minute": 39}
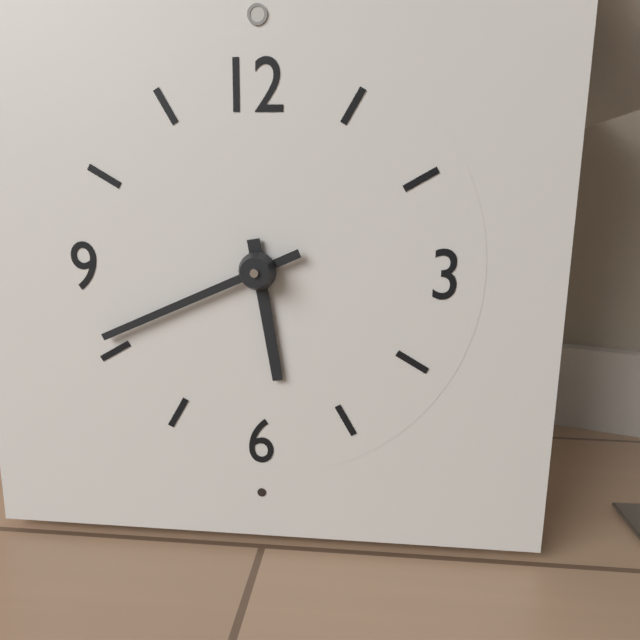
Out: {"hour": 5, "minute": 41}
